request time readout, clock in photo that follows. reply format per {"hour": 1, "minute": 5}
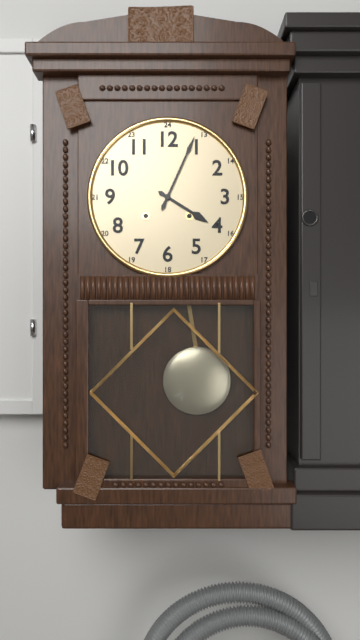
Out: {"hour": 4, "minute": 4}
